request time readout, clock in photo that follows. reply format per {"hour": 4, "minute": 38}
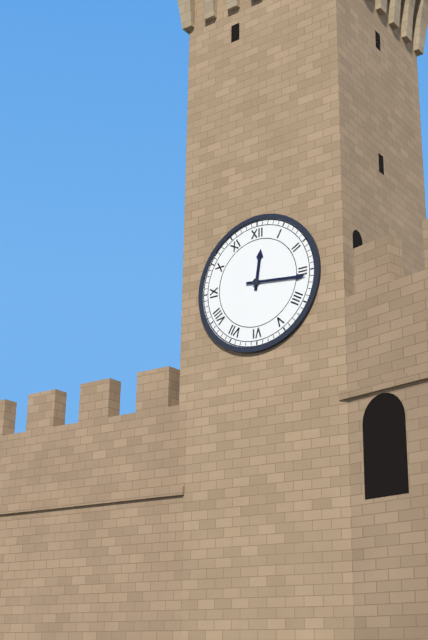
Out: {"hour": 12, "minute": 16}
